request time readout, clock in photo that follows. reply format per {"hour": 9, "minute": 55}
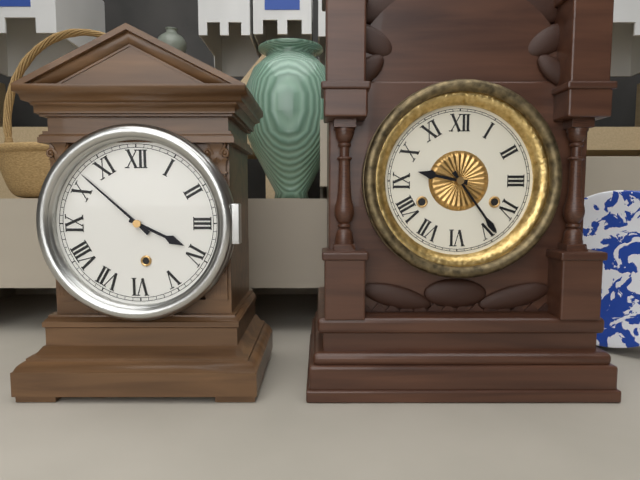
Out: {"hour": 3, "minute": 52}
